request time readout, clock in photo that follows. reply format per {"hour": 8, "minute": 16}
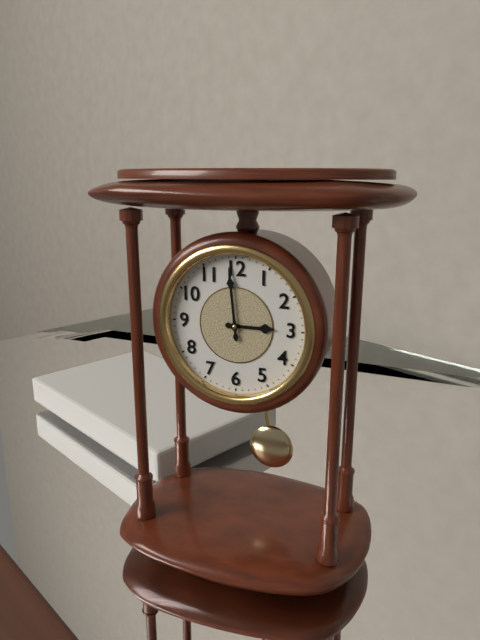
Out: {"hour": 2, "minute": 59}
